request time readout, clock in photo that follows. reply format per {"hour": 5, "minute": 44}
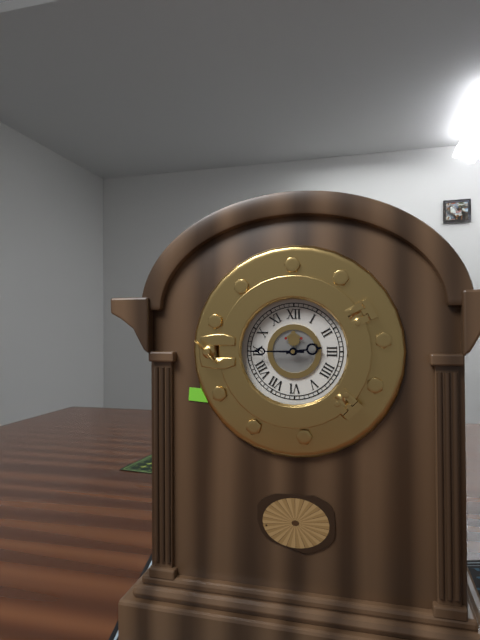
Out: {"hour": 2, "minute": 45}
